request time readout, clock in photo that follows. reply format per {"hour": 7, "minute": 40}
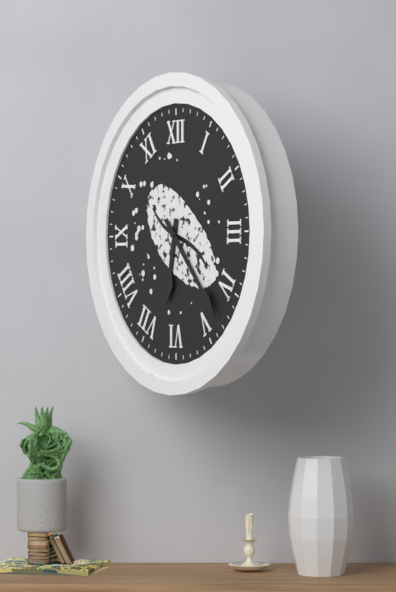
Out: {"hour": 6, "minute": 23}
